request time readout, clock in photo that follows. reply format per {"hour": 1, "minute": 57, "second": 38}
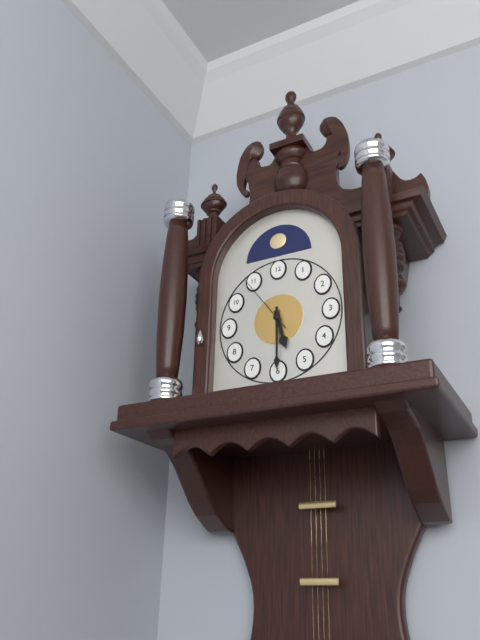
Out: {"hour": 5, "minute": 30, "second": 54}
